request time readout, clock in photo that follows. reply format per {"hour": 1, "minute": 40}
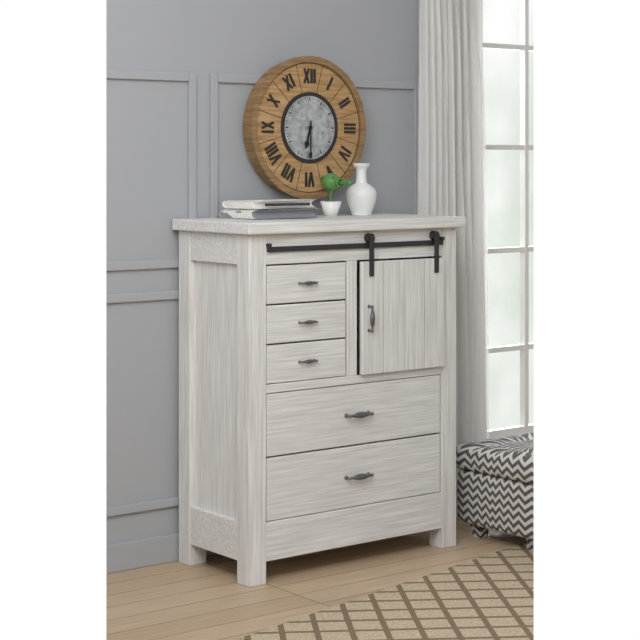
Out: {"hour": 6, "minute": 30}
